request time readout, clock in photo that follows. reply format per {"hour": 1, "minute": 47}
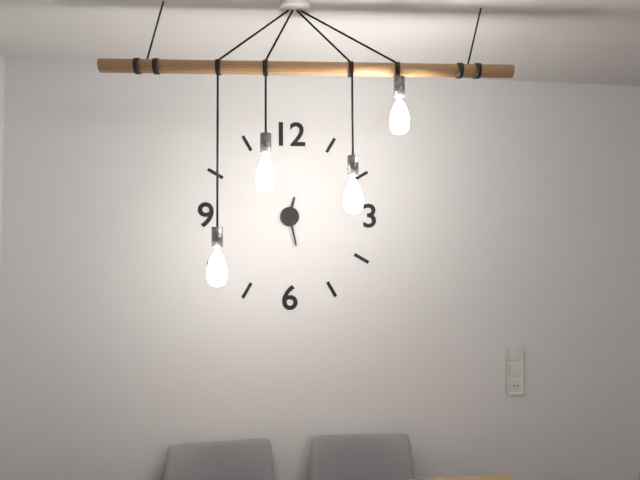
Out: {"hour": 12, "minute": 28}
